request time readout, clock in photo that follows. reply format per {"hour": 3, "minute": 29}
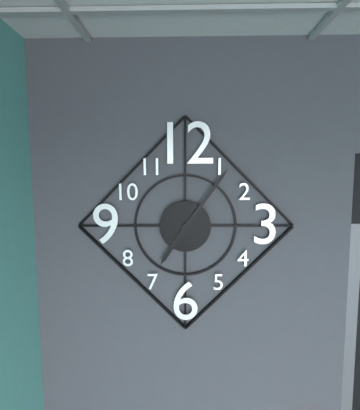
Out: {"hour": 7, "minute": 6}
